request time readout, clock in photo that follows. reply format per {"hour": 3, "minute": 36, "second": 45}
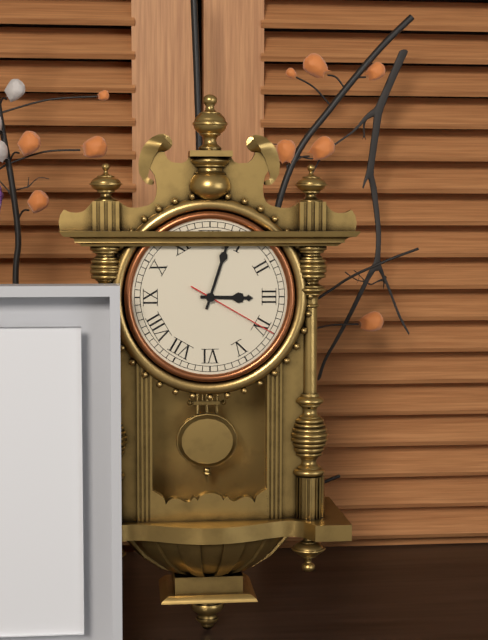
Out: {"hour": 3, "minute": 3, "second": 20}
